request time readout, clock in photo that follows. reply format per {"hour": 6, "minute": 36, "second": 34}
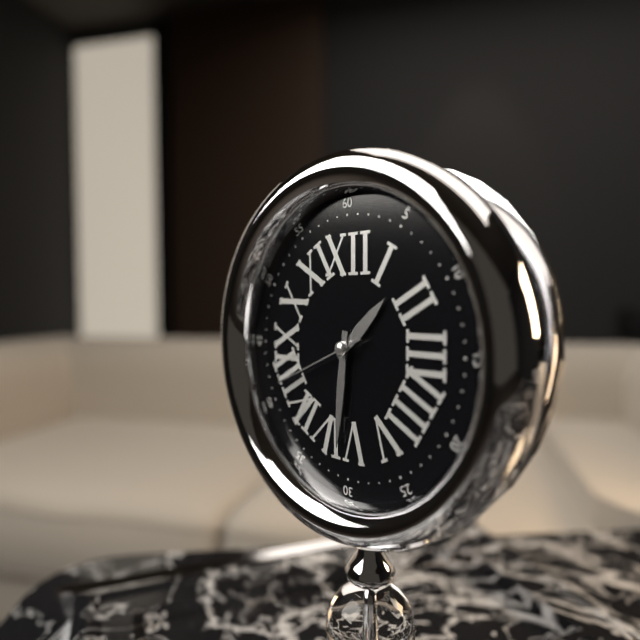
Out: {"hour": 1, "minute": 31, "second": 41}
